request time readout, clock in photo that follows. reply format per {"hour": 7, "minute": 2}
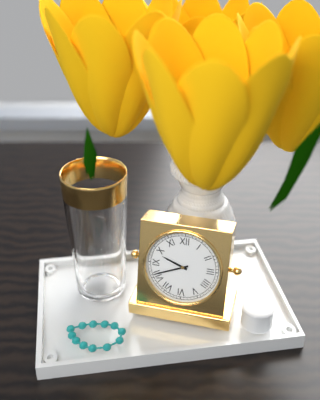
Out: {"hour": 9, "minute": 41}
